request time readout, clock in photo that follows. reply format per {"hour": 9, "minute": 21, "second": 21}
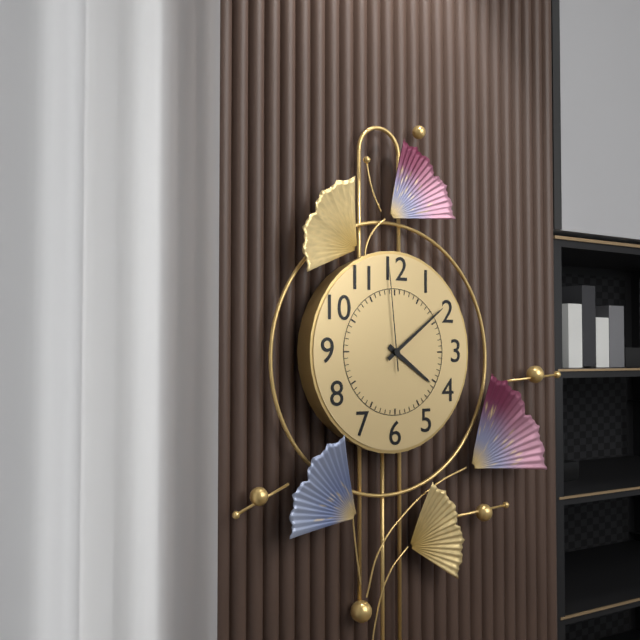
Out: {"hour": 4, "minute": 9, "second": 59}
